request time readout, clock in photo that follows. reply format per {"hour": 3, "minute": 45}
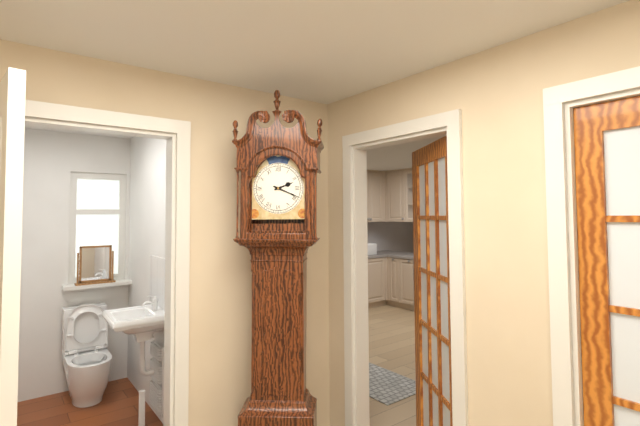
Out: {"hour": 2, "minute": 19}
